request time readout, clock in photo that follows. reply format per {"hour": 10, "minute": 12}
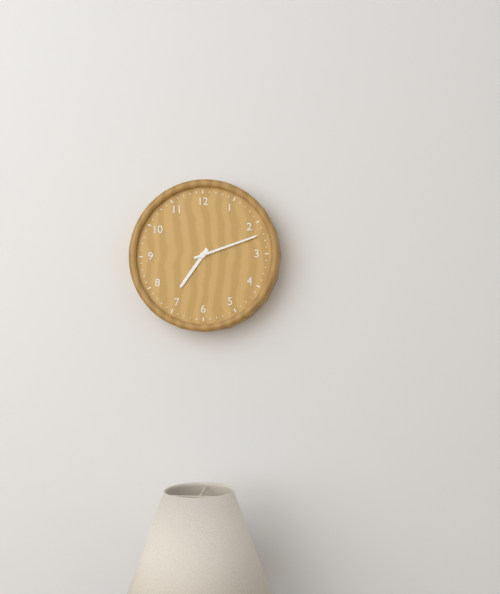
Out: {"hour": 7, "minute": 12}
